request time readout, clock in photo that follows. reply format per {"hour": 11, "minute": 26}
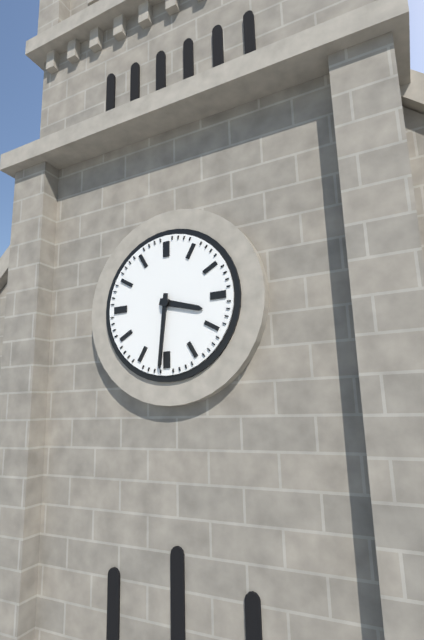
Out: {"hour": 3, "minute": 31}
